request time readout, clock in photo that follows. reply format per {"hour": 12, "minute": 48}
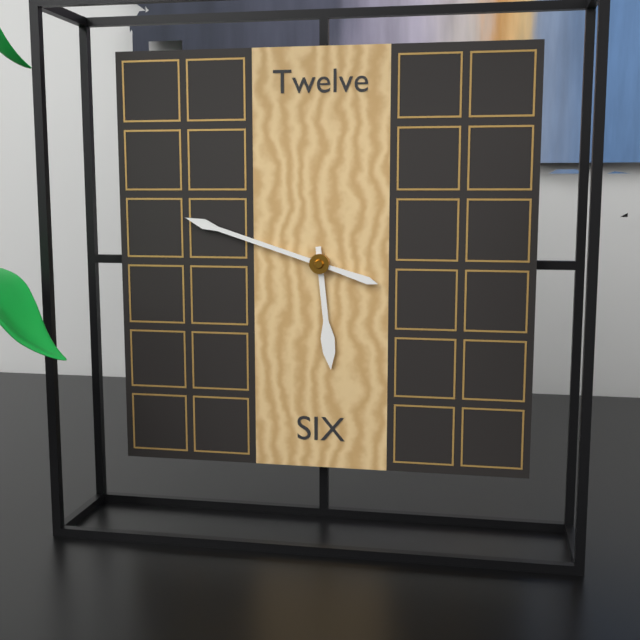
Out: {"hour": 5, "minute": 48}
